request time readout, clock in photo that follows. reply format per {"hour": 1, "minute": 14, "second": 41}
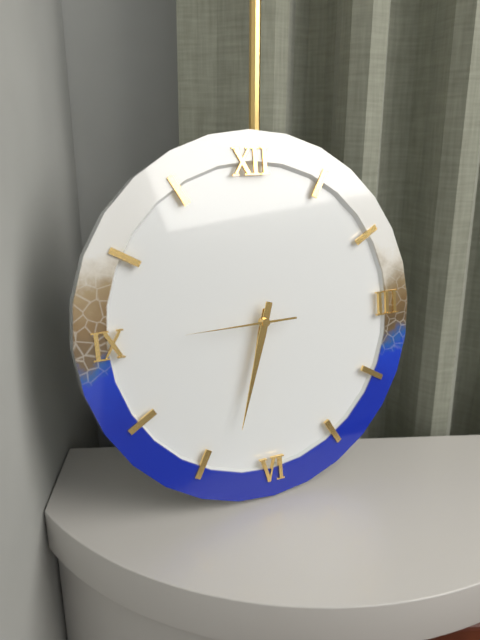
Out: {"hour": 6, "minute": 33, "second": 45}
